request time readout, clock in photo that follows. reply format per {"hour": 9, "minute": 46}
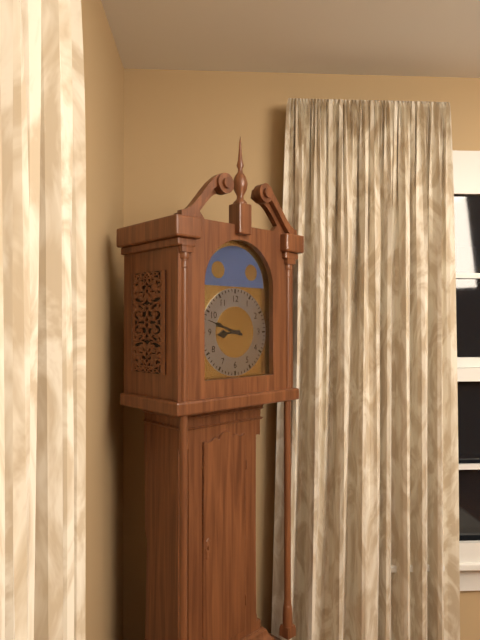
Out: {"hour": 8, "minute": 48}
